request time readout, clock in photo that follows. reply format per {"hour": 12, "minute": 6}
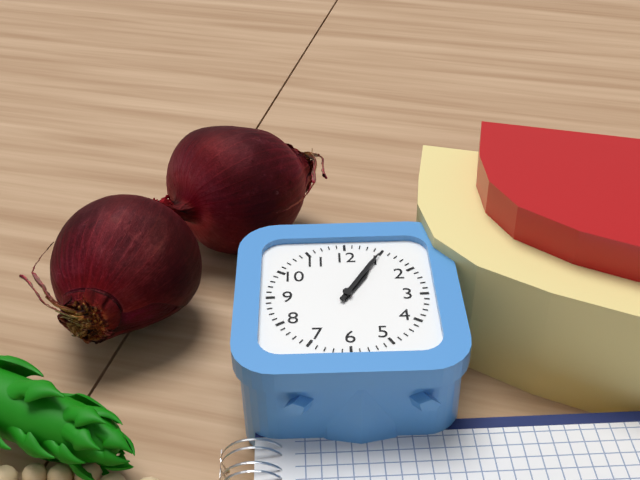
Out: {"hour": 1, "minute": 5}
